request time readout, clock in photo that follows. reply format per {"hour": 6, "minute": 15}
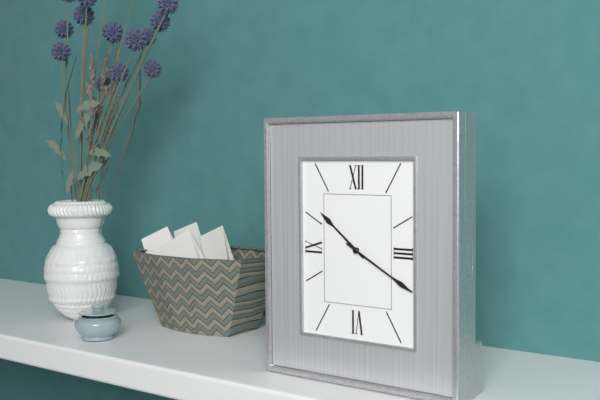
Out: {"hour": 10, "minute": 20}
